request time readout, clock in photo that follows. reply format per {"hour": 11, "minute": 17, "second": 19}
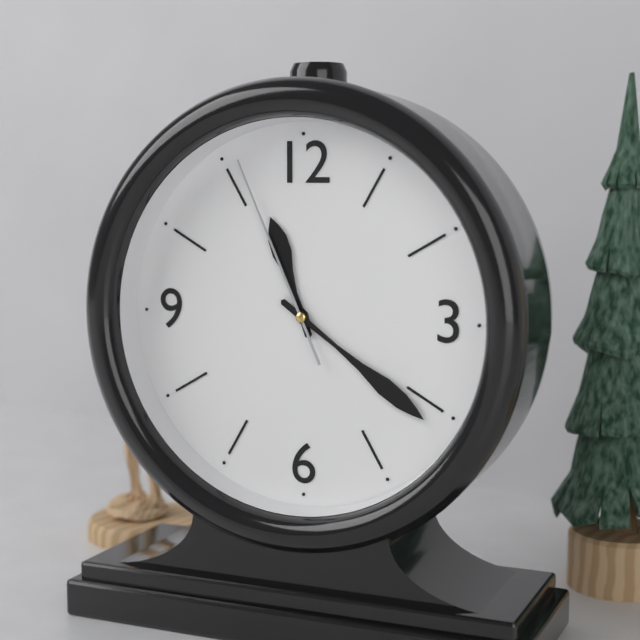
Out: {"hour": 11, "minute": 21, "second": 56}
